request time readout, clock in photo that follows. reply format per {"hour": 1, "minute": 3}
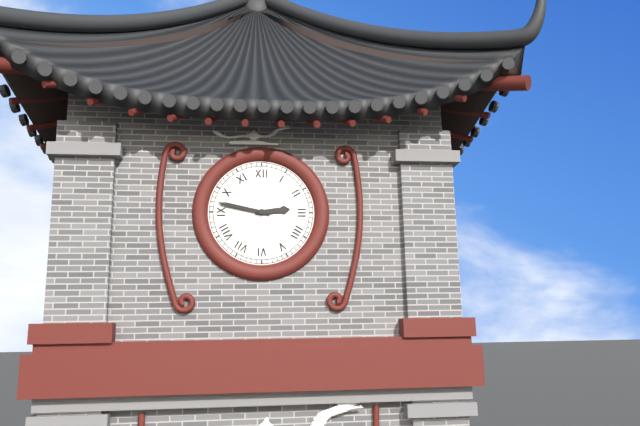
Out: {"hour": 2, "minute": 47}
